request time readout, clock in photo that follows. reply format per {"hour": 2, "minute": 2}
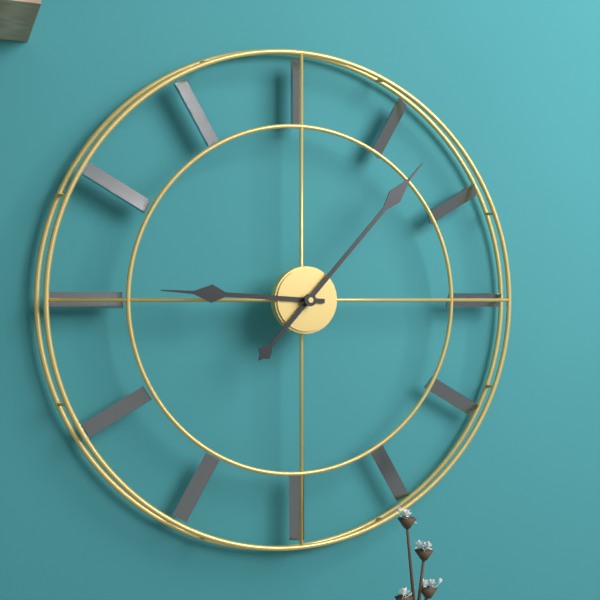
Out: {"hour": 9, "minute": 7}
